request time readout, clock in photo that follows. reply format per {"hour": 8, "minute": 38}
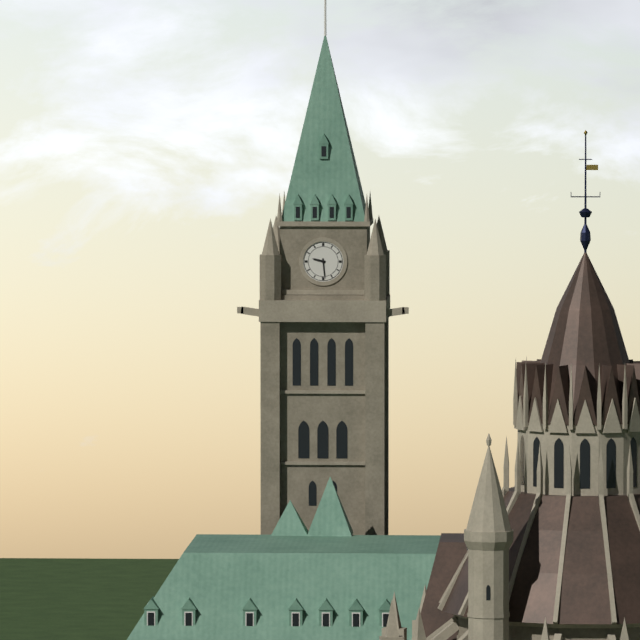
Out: {"hour": 9, "minute": 29}
